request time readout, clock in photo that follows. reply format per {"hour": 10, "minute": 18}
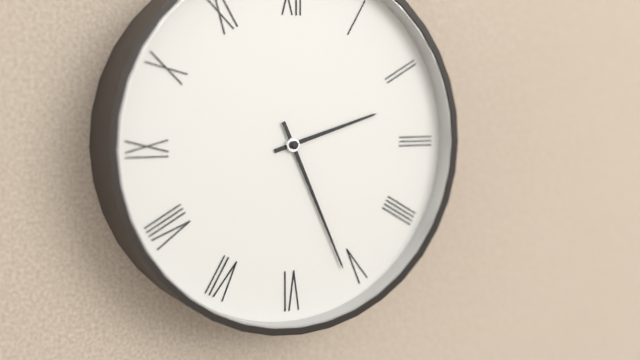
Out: {"hour": 2, "minute": 26}
